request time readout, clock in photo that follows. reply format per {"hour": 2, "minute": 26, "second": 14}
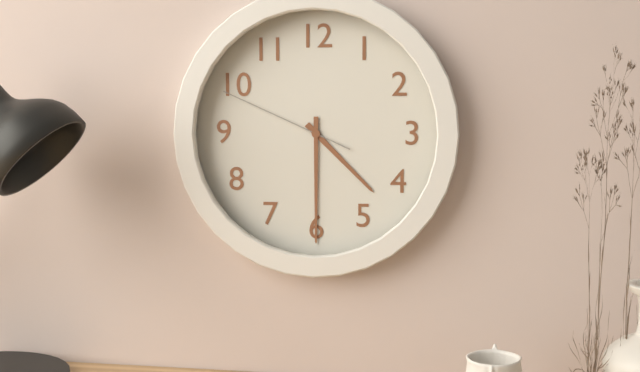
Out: {"hour": 4, "minute": 30, "second": 49}
